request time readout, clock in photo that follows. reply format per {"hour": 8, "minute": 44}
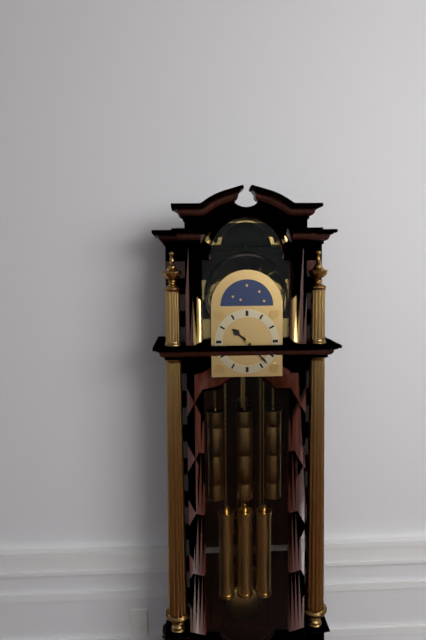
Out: {"hour": 10, "minute": 23}
